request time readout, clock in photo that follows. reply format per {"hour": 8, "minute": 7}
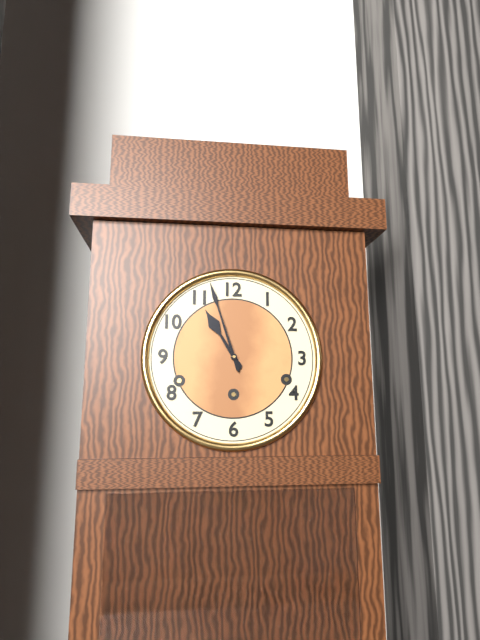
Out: {"hour": 10, "minute": 57}
